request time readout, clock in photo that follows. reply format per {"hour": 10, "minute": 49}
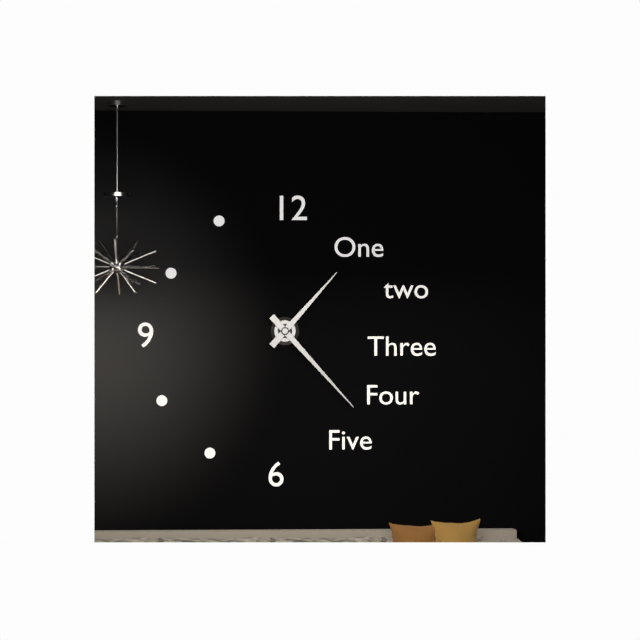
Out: {"hour": 1, "minute": 23}
